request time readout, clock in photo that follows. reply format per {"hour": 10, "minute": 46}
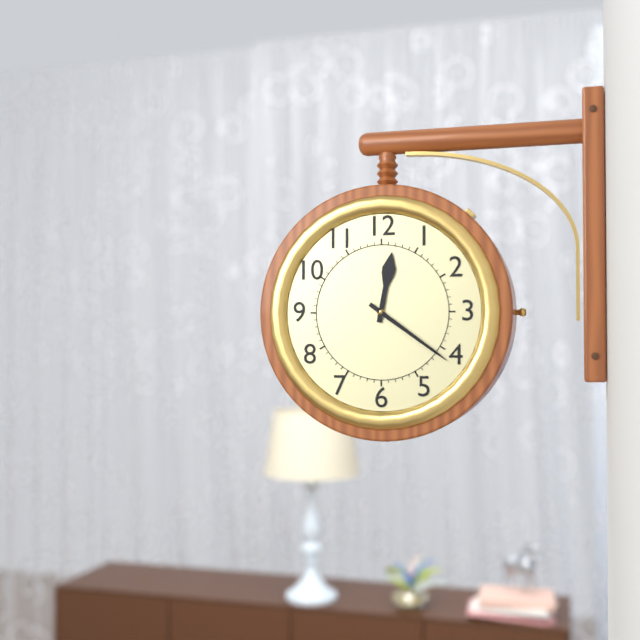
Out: {"hour": 12, "minute": 21}
